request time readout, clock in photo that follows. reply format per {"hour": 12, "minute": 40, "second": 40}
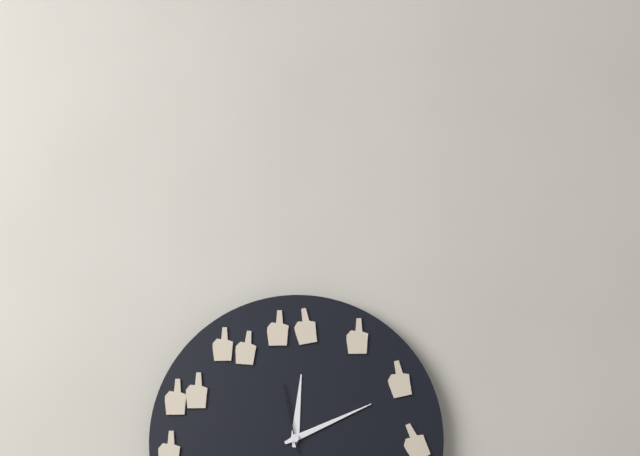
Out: {"hour": 12, "minute": 11, "second": 58}
